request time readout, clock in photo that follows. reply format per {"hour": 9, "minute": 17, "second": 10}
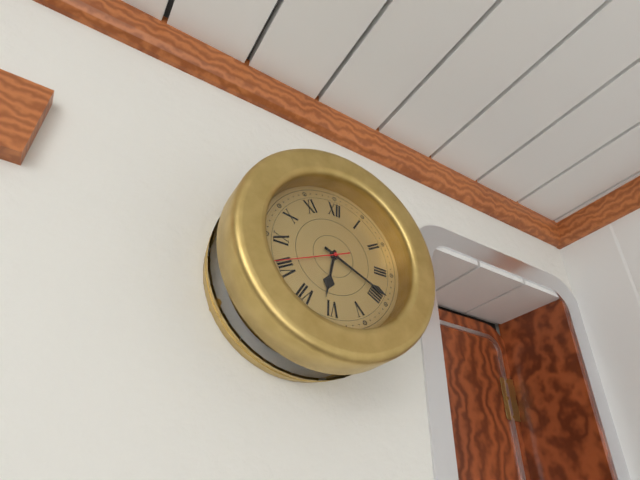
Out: {"hour": 6, "minute": 19, "second": 41}
